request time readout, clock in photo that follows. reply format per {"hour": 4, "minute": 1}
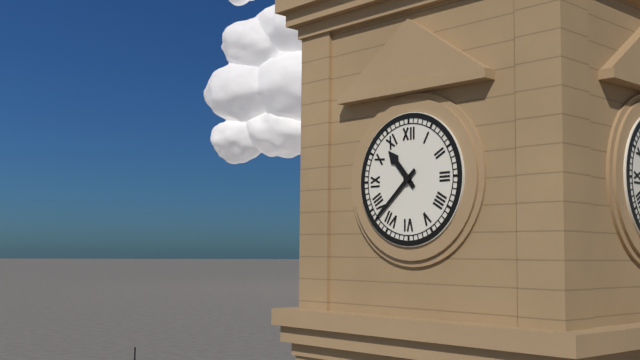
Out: {"hour": 10, "minute": 38}
